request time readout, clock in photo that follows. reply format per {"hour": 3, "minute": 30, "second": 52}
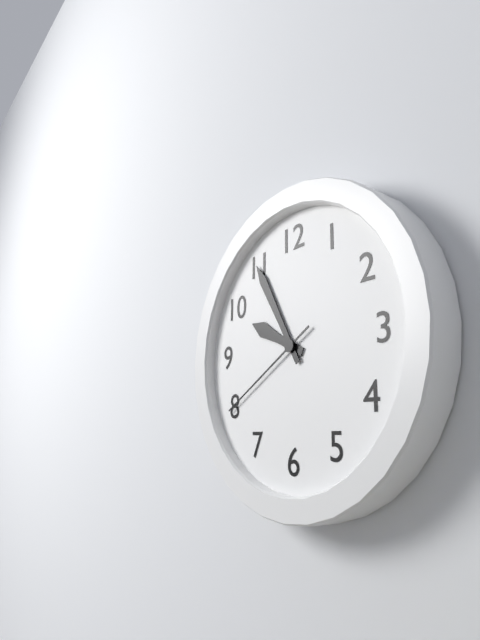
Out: {"hour": 9, "minute": 55, "second": 40}
